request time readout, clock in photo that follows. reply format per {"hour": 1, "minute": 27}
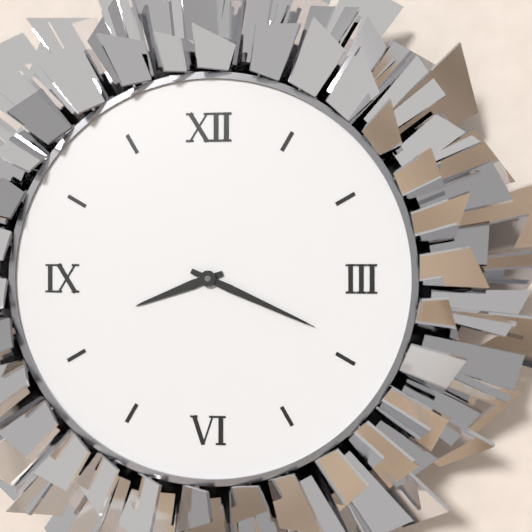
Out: {"hour": 8, "minute": 19}
